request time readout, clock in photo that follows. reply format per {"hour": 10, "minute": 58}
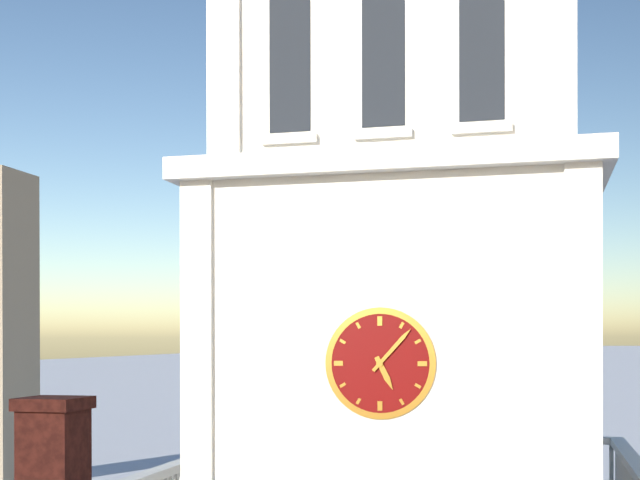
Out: {"hour": 5, "minute": 7}
